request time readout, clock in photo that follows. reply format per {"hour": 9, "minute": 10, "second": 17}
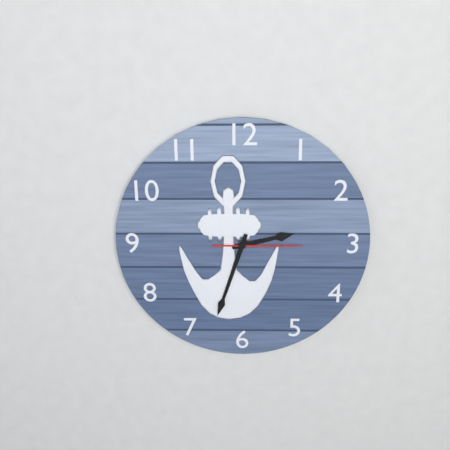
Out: {"hour": 2, "minute": 33, "second": 15}
